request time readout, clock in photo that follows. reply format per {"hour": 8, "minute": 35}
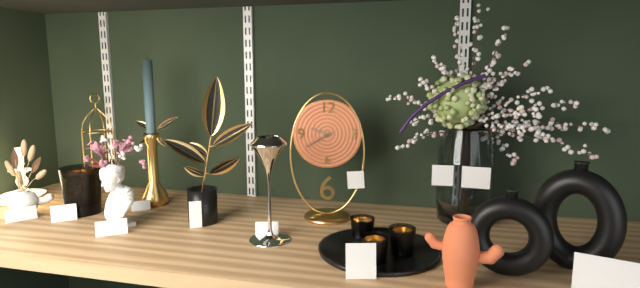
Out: {"hour": 9, "minute": 40}
